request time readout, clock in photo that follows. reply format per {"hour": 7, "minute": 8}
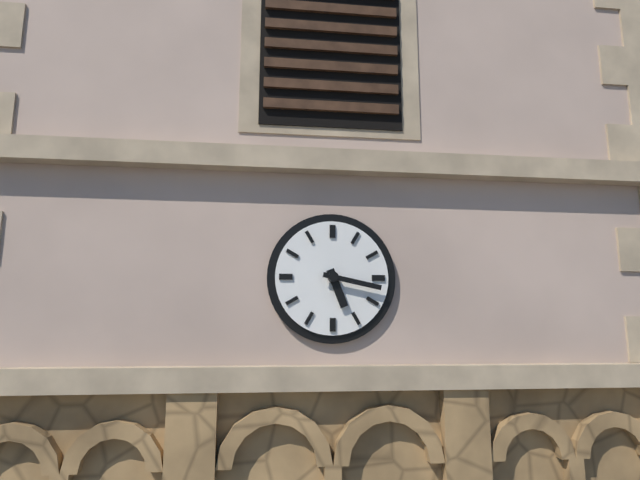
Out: {"hour": 5, "minute": 17}
